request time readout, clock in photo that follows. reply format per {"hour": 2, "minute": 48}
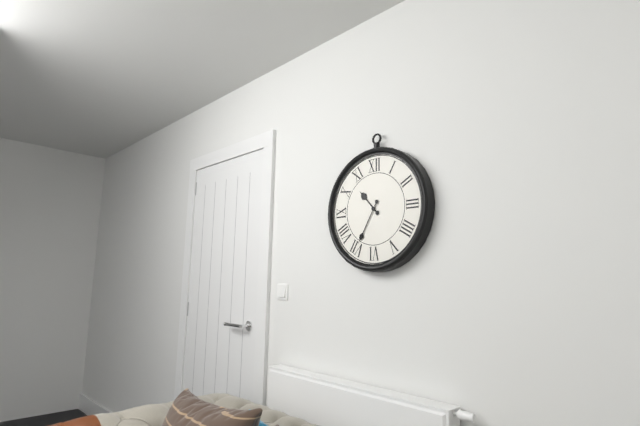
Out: {"hour": 10, "minute": 35}
